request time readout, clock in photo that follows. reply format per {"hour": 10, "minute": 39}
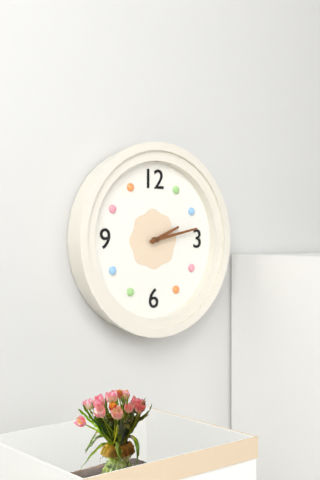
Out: {"hour": 2, "minute": 13}
